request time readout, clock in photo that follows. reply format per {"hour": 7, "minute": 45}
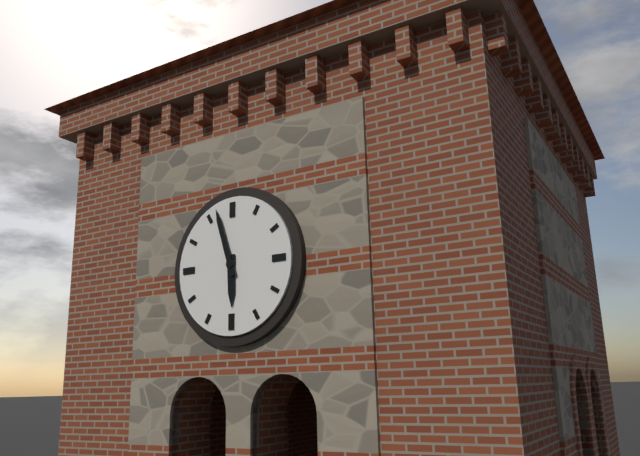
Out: {"hour": 5, "minute": 57}
